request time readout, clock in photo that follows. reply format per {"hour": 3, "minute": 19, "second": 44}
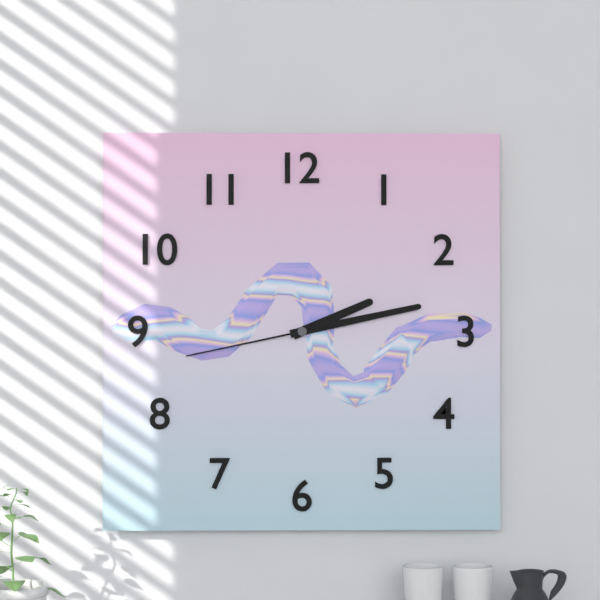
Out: {"hour": 2, "minute": 13, "second": 43}
